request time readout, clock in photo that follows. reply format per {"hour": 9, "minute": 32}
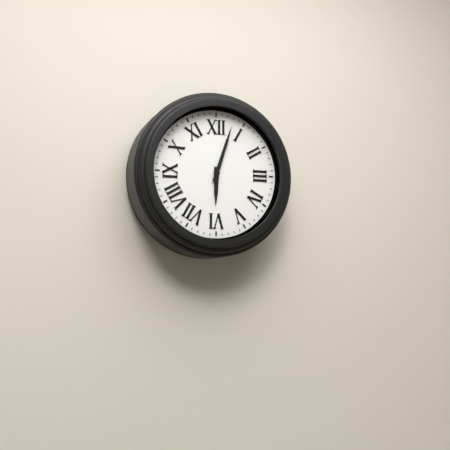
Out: {"hour": 6, "minute": 3}
